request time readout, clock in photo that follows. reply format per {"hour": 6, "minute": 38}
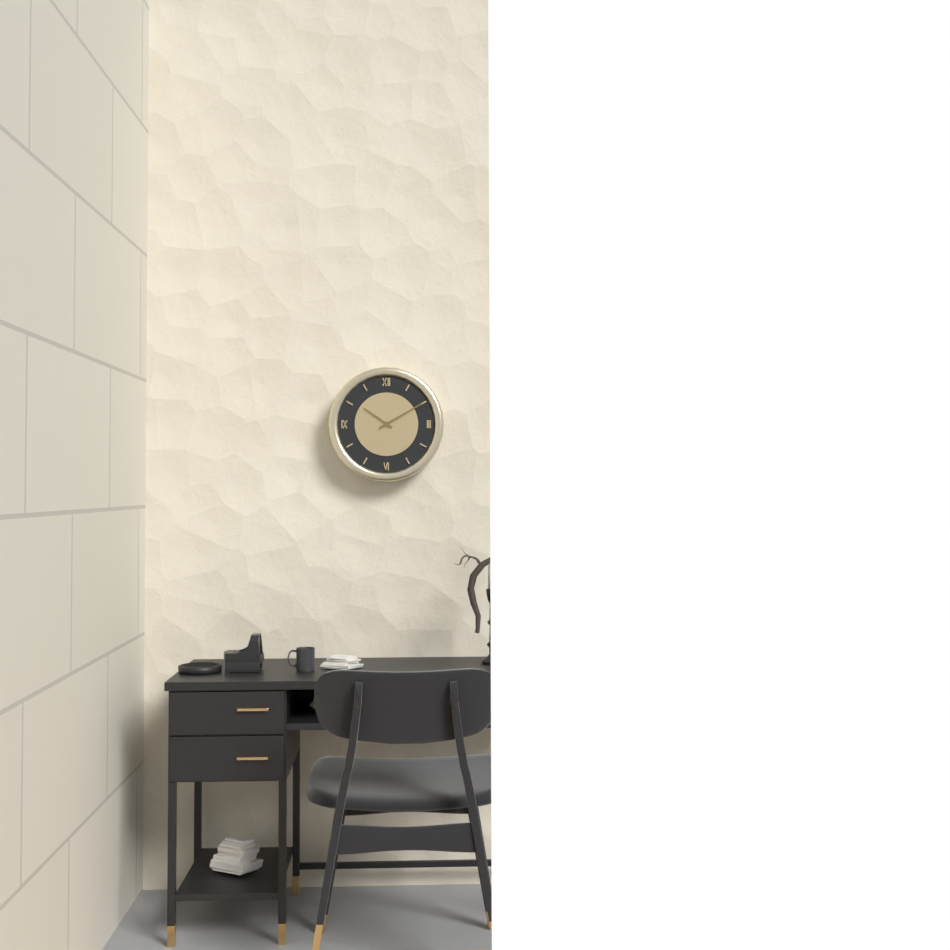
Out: {"hour": 10, "minute": 10}
